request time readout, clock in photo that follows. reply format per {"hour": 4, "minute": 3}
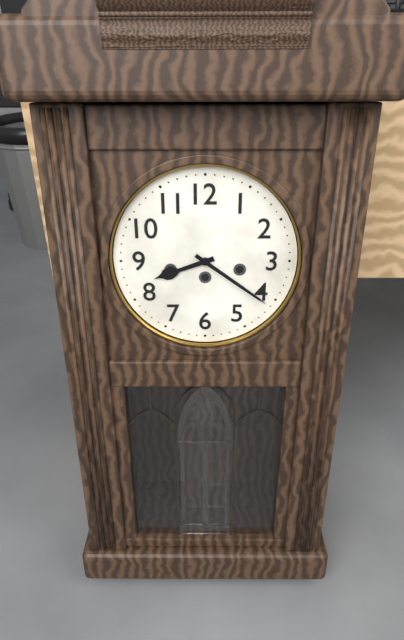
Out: {"hour": 8, "minute": 21}
